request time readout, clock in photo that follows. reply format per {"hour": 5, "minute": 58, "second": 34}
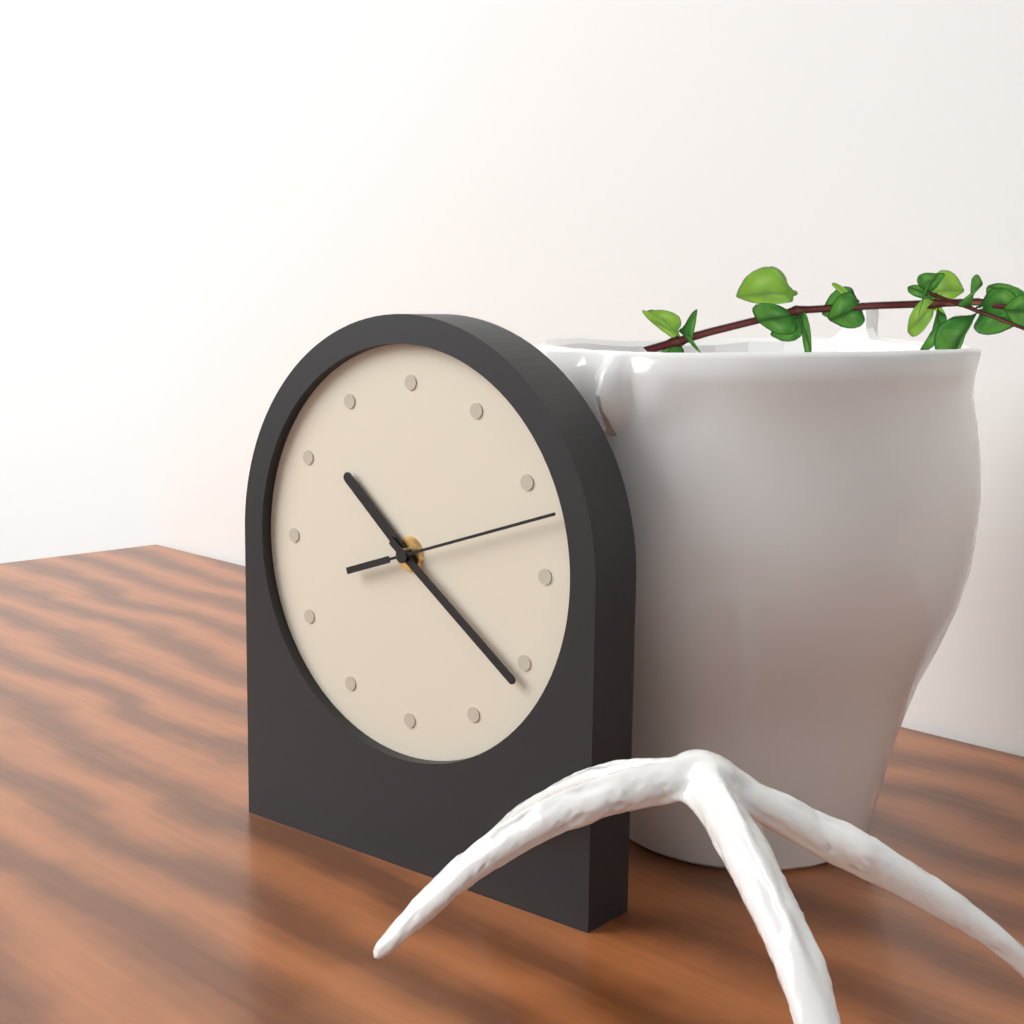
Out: {"hour": 10, "minute": 21, "second": 12}
